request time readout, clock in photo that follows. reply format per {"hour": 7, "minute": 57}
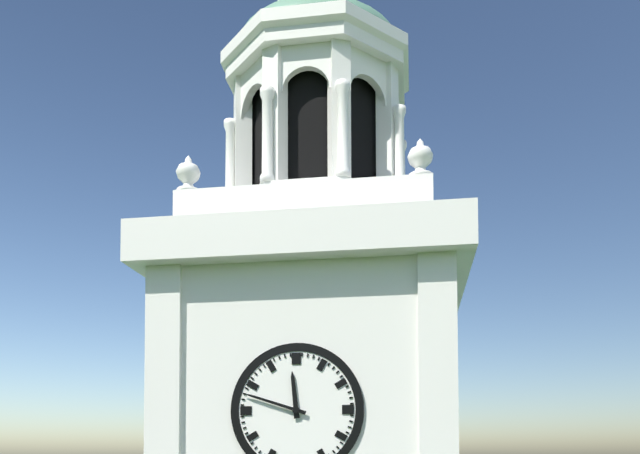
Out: {"hour": 11, "minute": 48}
